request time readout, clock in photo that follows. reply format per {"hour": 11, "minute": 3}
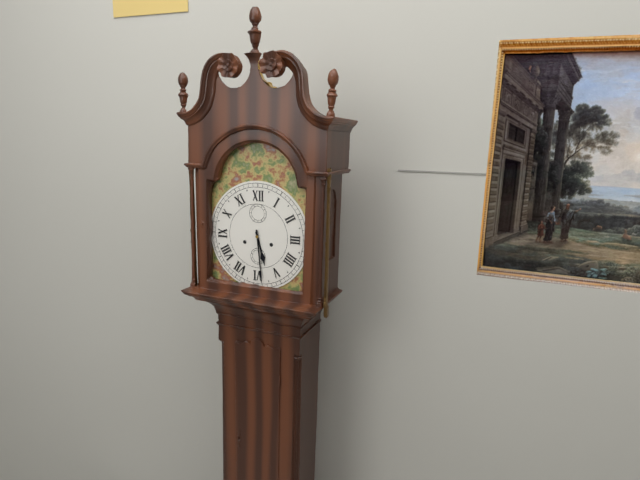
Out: {"hour": 5, "minute": 29}
